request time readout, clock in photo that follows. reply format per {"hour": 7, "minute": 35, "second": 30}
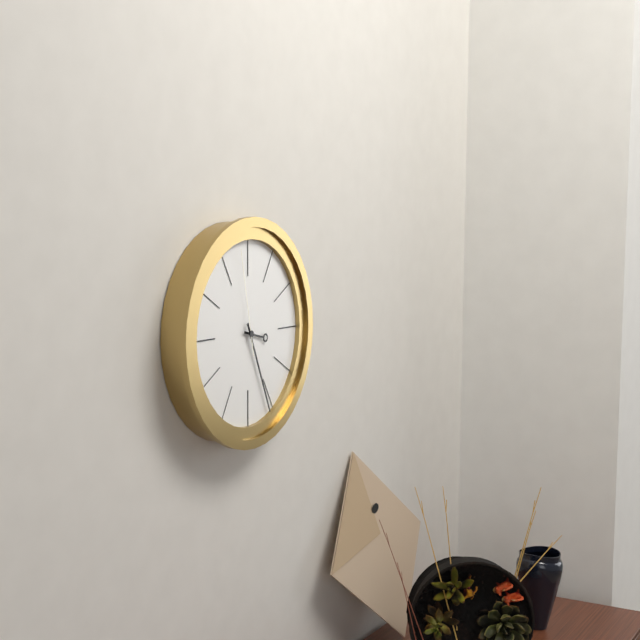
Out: {"hour": 3, "minute": 26, "second": 58}
